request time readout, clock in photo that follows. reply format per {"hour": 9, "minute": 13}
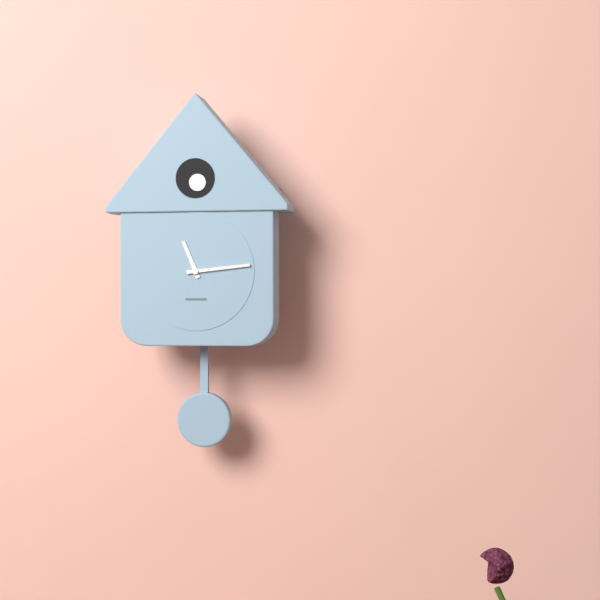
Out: {"hour": 11, "minute": 14}
